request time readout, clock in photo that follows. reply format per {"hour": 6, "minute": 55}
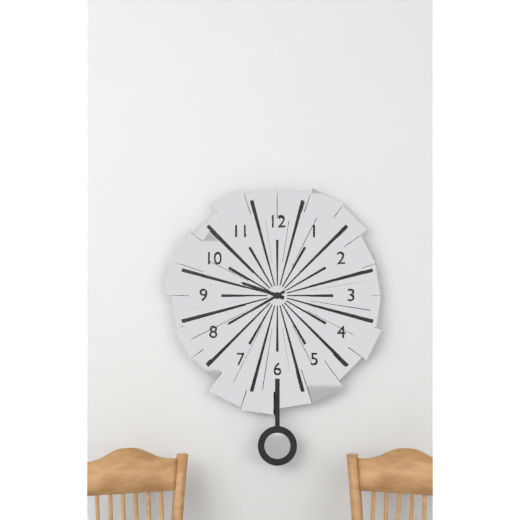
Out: {"hour": 9, "minute": 40}
